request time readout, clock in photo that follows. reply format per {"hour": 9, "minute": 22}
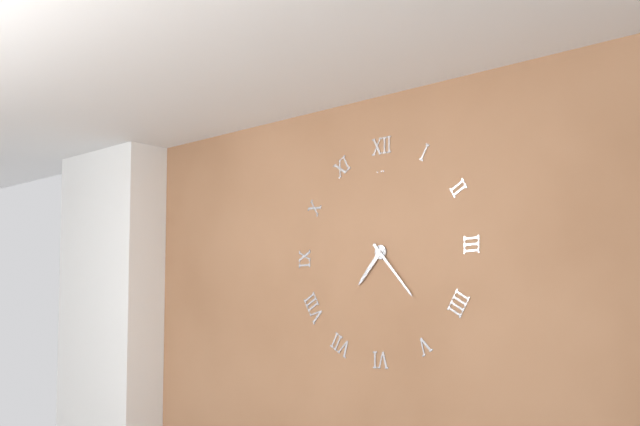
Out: {"hour": 7, "minute": 23}
